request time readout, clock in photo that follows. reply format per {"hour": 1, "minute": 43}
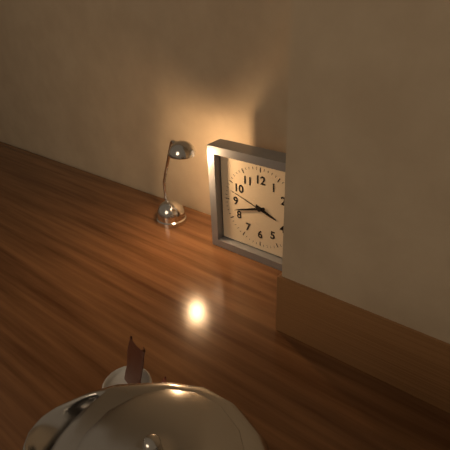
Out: {"hour": 3, "minute": 42}
